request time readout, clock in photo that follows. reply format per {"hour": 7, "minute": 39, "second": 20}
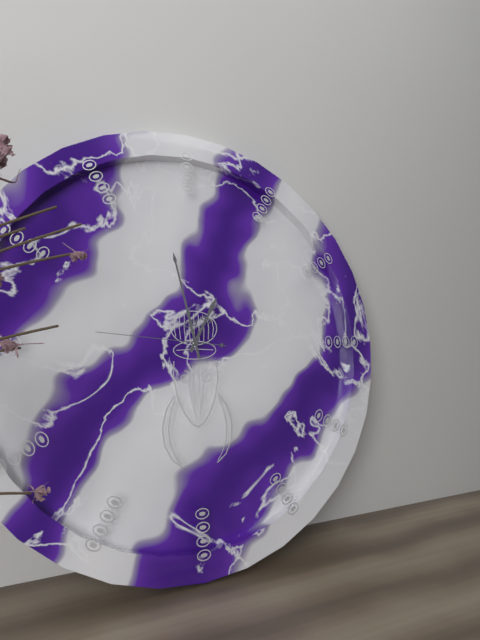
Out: {"hour": 12, "minute": 58, "second": 46}
